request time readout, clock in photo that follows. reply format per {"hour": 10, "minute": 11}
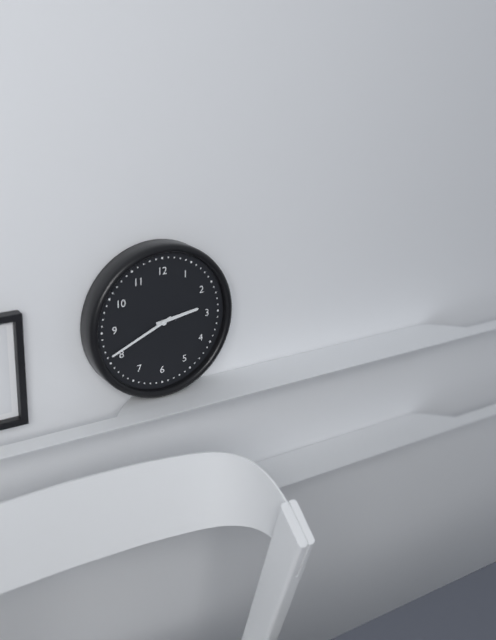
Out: {"hour": 2, "minute": 41}
